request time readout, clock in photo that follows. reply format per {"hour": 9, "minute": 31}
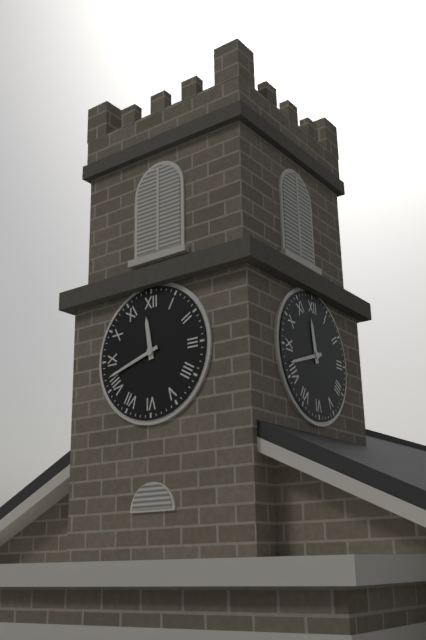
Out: {"hour": 11, "minute": 42}
